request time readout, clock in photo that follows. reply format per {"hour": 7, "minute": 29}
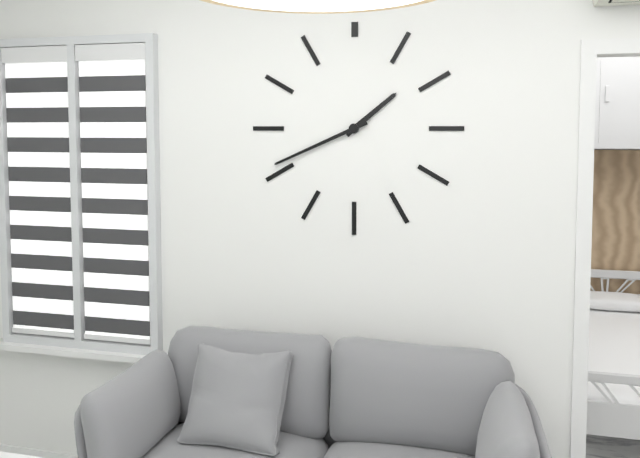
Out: {"hour": 1, "minute": 41}
